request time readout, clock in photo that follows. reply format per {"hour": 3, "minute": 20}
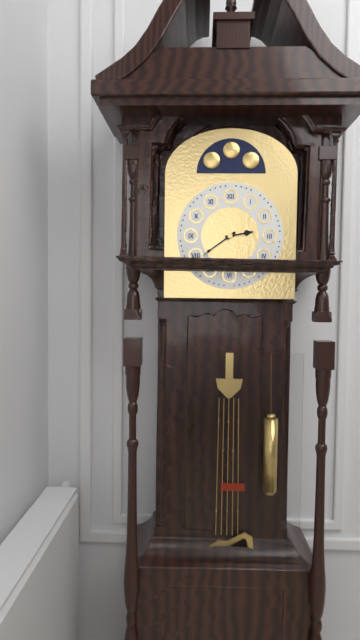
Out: {"hour": 2, "minute": 39}
